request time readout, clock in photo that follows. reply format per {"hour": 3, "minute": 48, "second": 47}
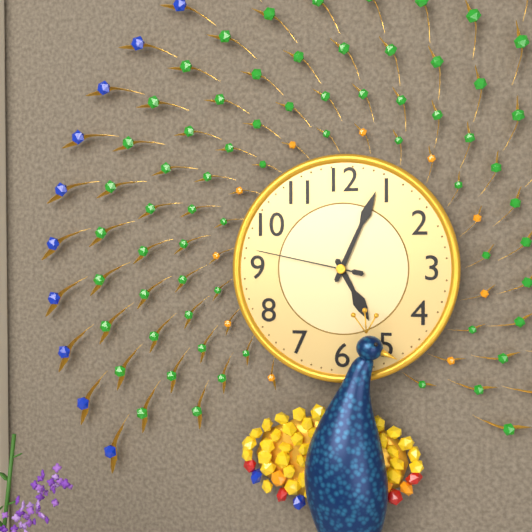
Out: {"hour": 5, "minute": 4, "second": 47}
